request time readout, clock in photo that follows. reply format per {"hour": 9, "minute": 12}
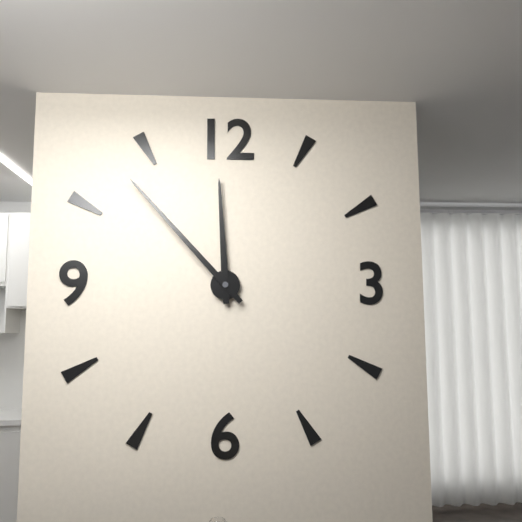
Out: {"hour": 11, "minute": 53}
